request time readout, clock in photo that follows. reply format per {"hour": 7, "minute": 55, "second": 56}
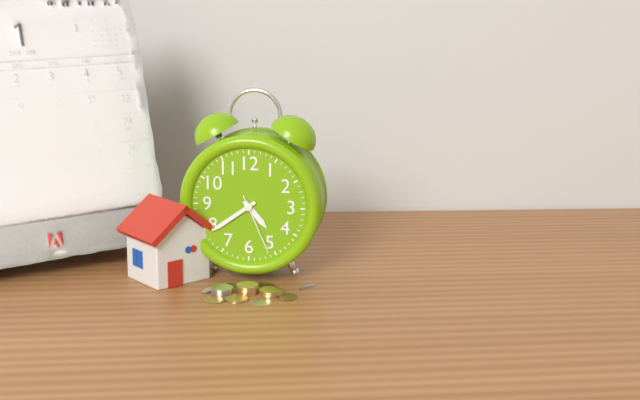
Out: {"hour": 4, "minute": 39, "second": 26}
